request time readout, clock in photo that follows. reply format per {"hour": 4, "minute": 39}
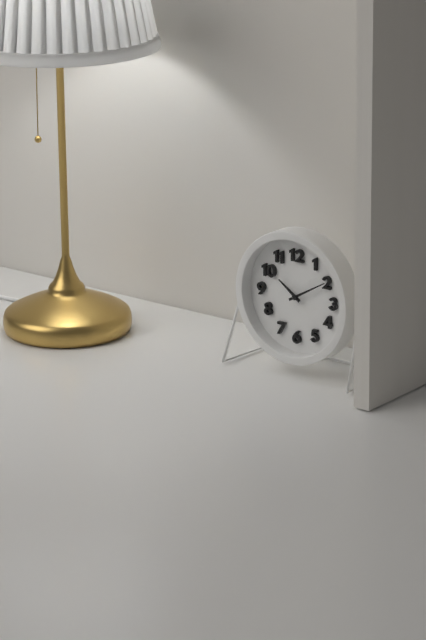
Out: {"hour": 10, "minute": 10}
